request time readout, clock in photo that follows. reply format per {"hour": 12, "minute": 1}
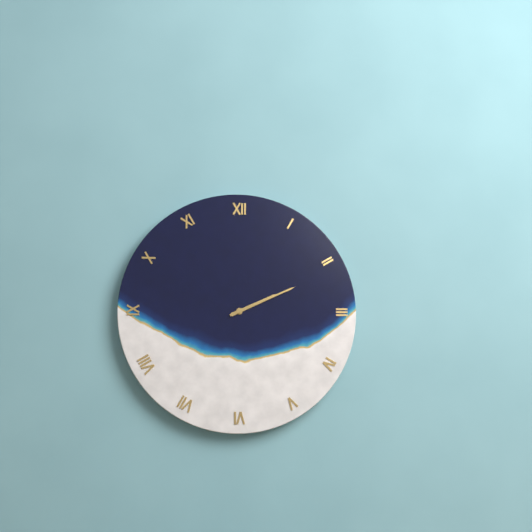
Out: {"hour": 2, "minute": 11}
